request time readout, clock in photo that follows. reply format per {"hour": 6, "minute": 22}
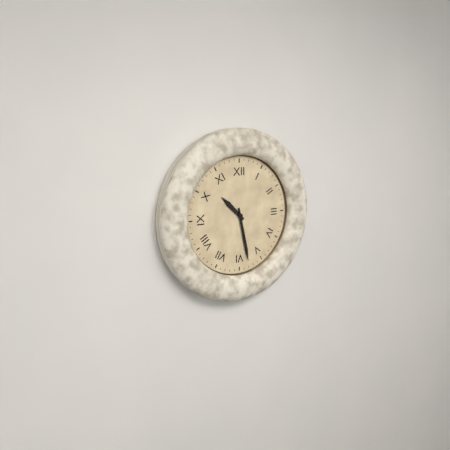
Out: {"hour": 10, "minute": 28}
